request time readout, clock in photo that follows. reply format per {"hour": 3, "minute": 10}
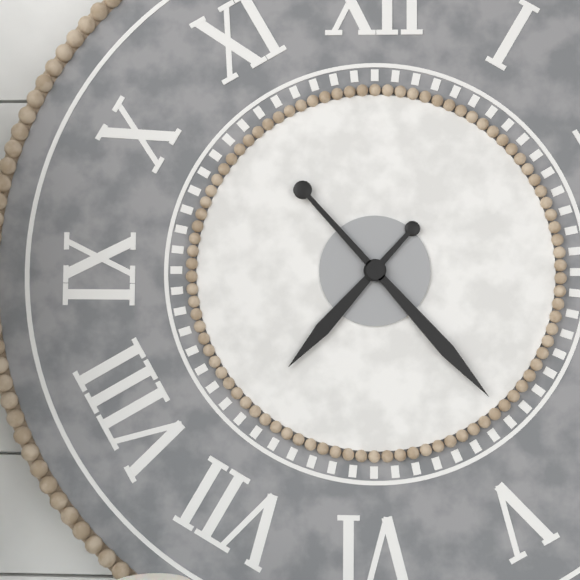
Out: {"hour": 7, "minute": 23}
